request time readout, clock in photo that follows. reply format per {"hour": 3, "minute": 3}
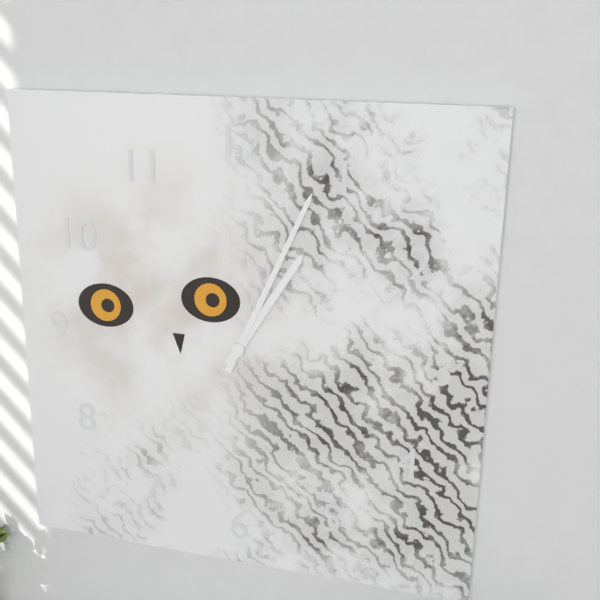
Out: {"hour": 1, "minute": 4}
